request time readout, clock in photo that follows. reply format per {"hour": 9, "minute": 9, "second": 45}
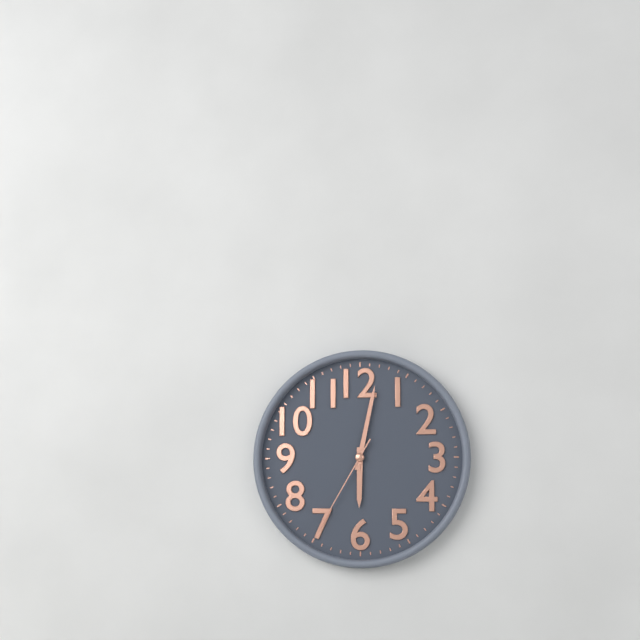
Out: {"hour": 6, "minute": 2, "second": 35}
